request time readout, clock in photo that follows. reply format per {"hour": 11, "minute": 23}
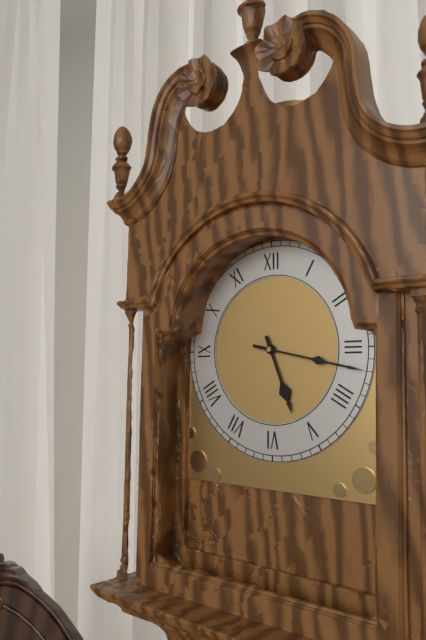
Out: {"hour": 5, "minute": 17}
